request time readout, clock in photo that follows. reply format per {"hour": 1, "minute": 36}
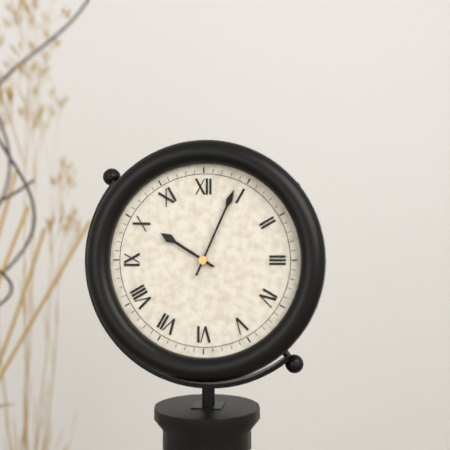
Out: {"hour": 10, "minute": 4}
